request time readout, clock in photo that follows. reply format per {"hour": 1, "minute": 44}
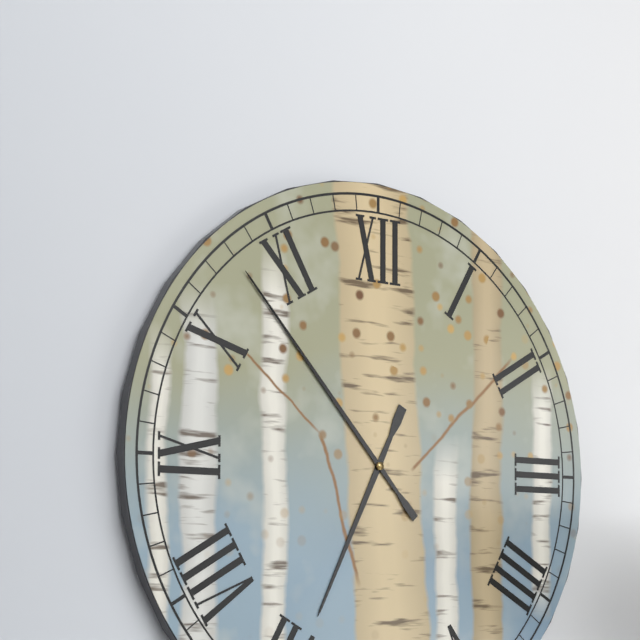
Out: {"hour": 6, "minute": 53}
